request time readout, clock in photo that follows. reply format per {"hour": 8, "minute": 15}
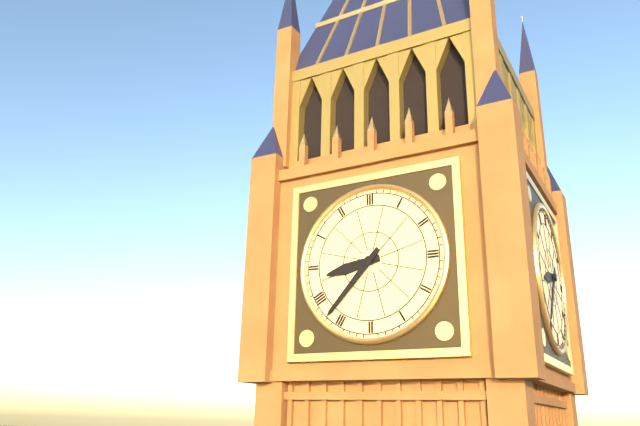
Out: {"hour": 8, "minute": 37}
